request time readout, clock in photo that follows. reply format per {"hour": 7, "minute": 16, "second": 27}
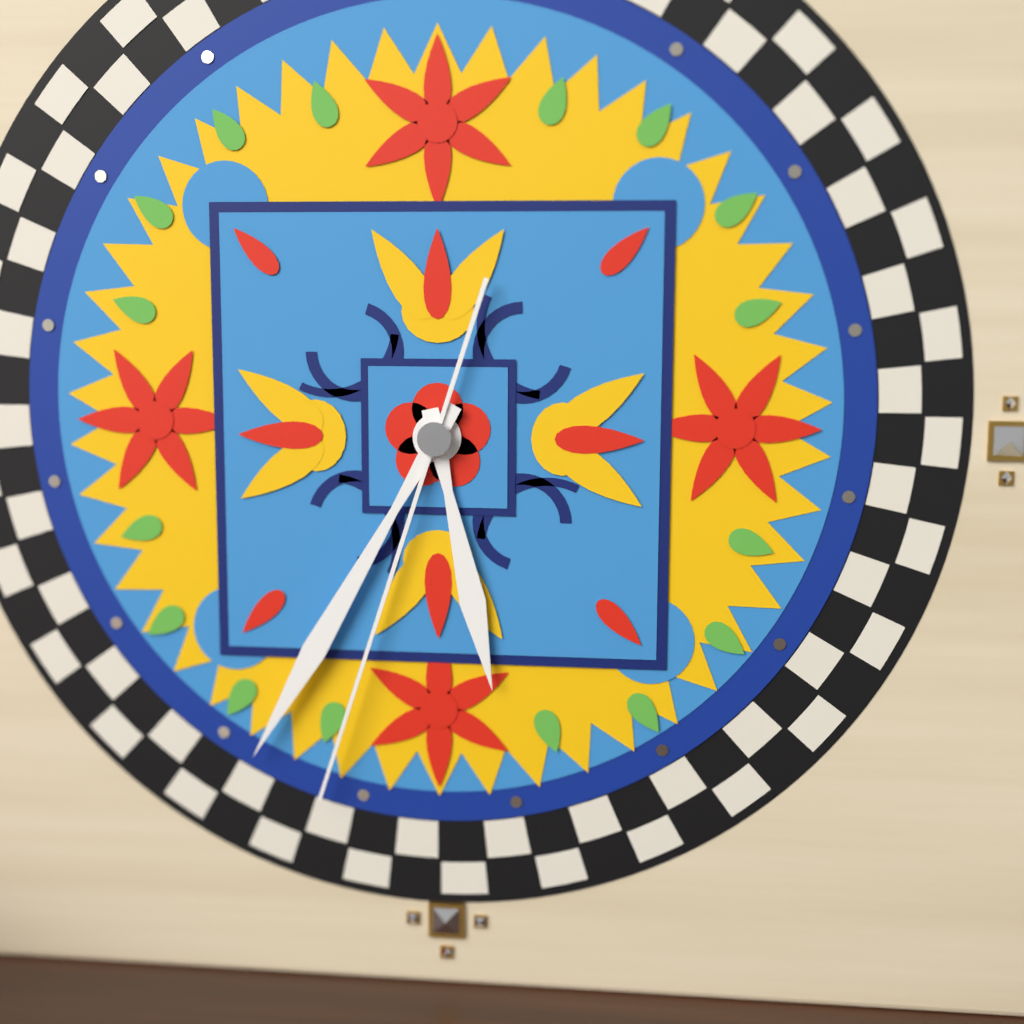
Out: {"hour": 5, "minute": 35, "second": 33}
